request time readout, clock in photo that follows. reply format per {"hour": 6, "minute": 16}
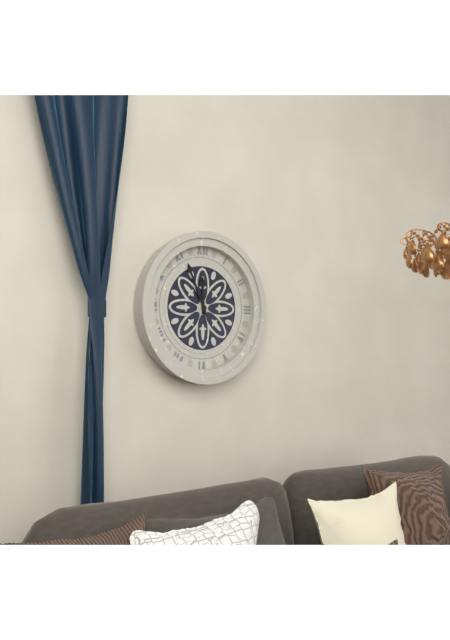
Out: {"hour": 11, "minute": 56}
